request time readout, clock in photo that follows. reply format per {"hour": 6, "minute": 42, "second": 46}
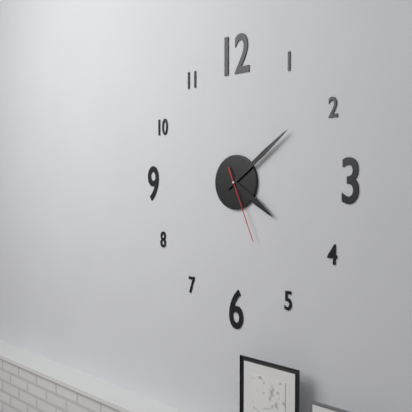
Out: {"hour": 4, "minute": 9, "second": 26}
